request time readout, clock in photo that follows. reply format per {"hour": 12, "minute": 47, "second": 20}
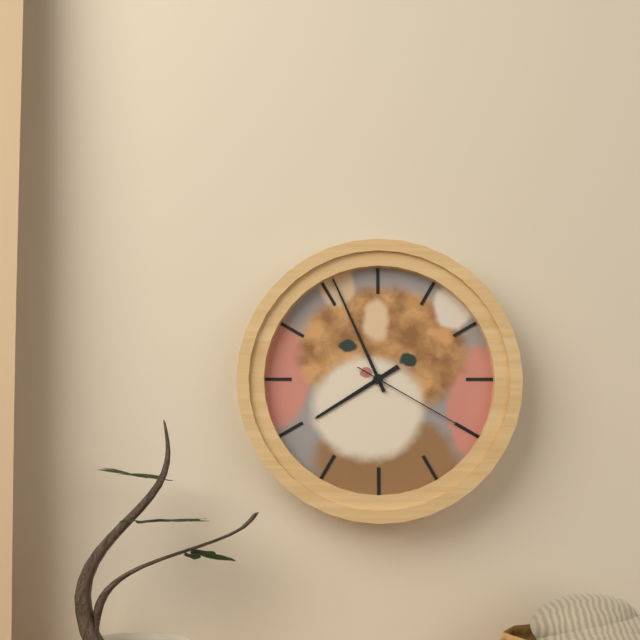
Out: {"hour": 7, "minute": 56, "second": 20}
